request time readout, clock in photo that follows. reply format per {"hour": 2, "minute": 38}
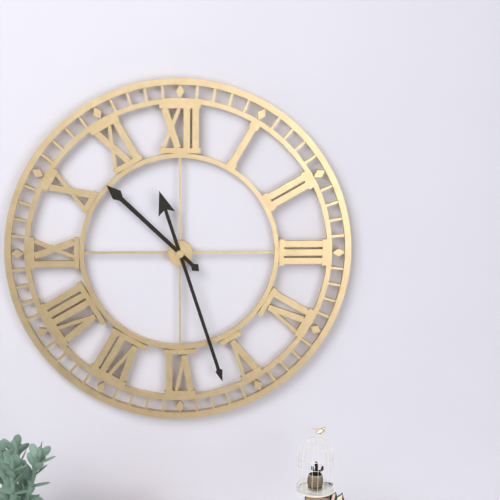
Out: {"hour": 10, "minute": 27}
